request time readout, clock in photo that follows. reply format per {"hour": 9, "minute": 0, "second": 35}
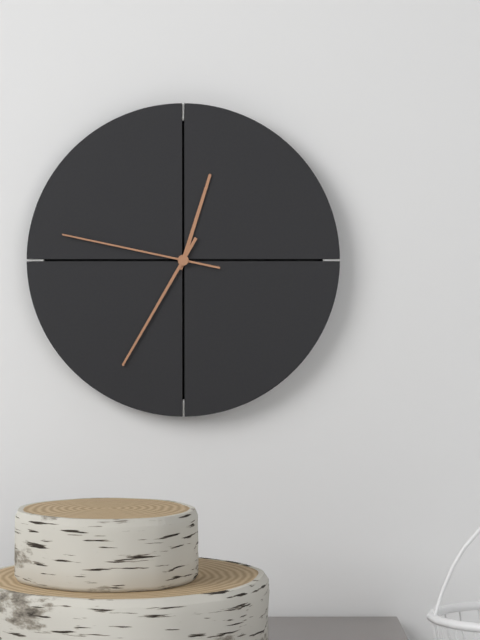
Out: {"hour": 12, "minute": 35, "second": 47}
